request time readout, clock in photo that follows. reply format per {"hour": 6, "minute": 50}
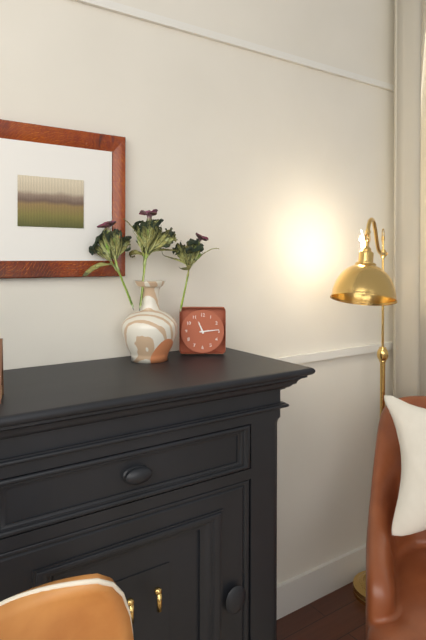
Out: {"hour": 11, "minute": 14}
